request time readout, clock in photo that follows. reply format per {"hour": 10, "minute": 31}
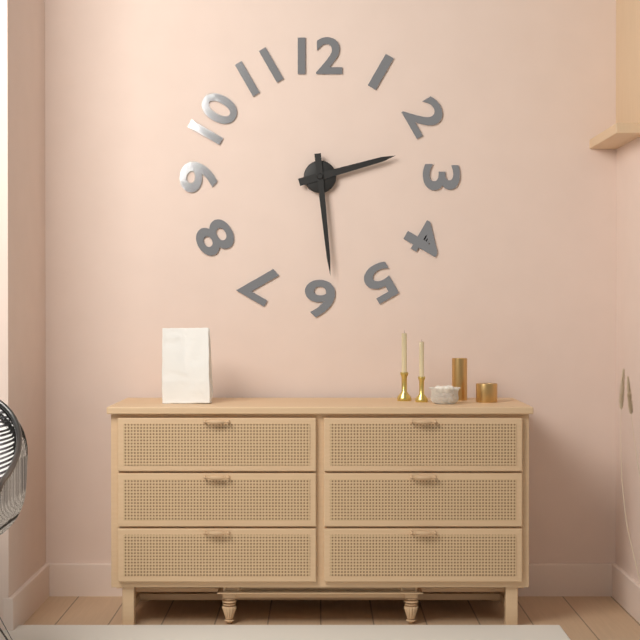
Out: {"hour": 2, "minute": 29}
